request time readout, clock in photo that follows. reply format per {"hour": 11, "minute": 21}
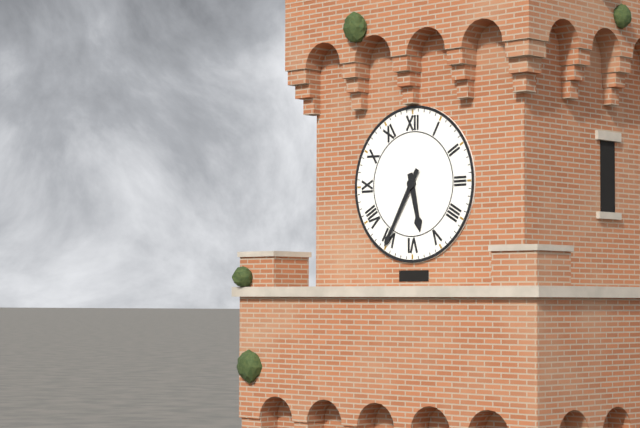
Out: {"hour": 5, "minute": 35}
